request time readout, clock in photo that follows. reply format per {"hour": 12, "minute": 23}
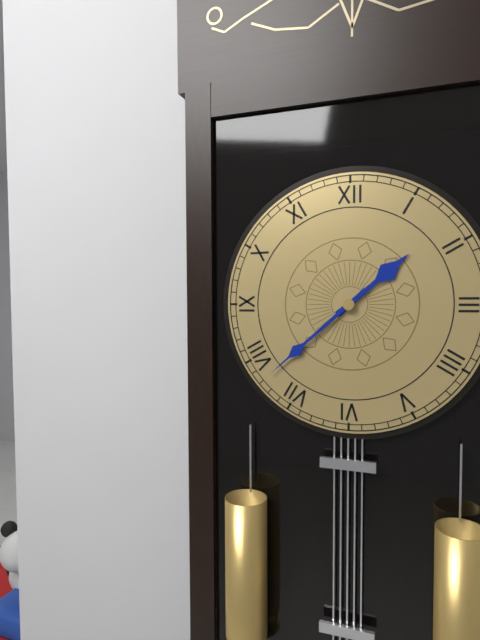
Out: {"hour": 1, "minute": 38}
